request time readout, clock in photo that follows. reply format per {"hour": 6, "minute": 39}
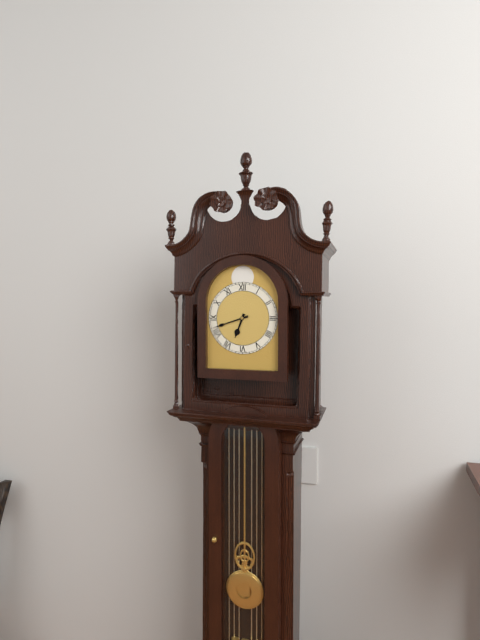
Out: {"hour": 6, "minute": 42}
